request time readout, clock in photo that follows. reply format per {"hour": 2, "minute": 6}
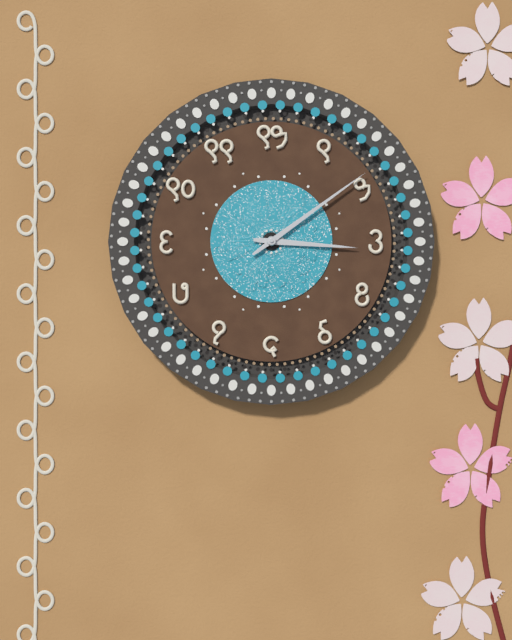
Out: {"hour": 3, "minute": 9}
